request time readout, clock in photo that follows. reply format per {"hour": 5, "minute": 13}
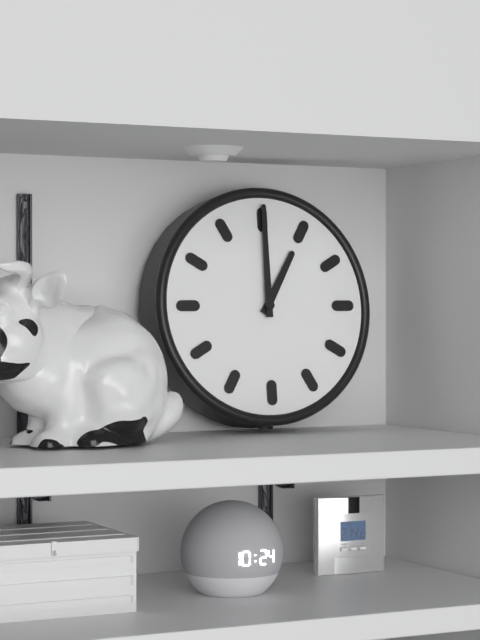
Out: {"hour": 1, "minute": 0}
